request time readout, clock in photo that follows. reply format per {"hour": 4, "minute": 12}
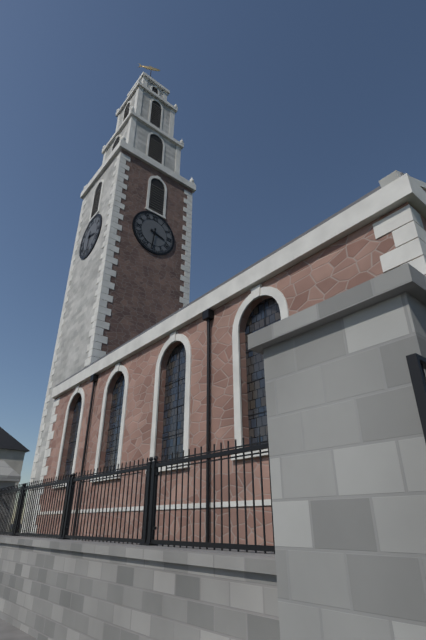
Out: {"hour": 3, "minute": 31}
